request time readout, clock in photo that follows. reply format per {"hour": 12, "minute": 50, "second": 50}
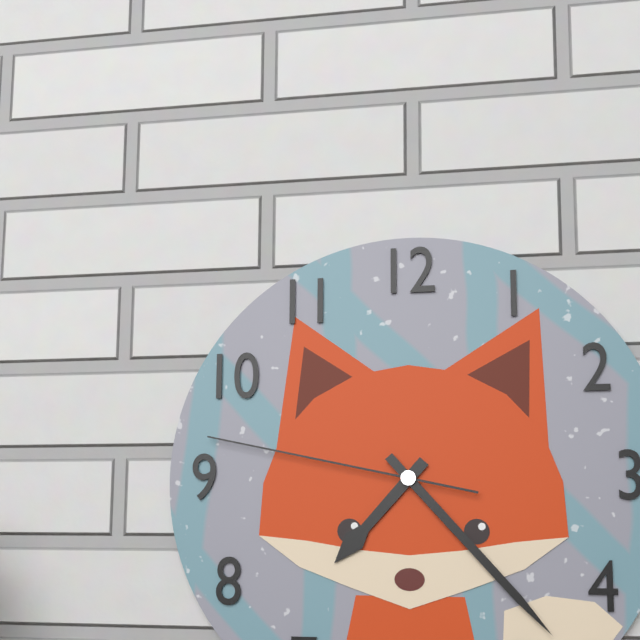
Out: {"hour": 7, "minute": 23, "second": 47}
